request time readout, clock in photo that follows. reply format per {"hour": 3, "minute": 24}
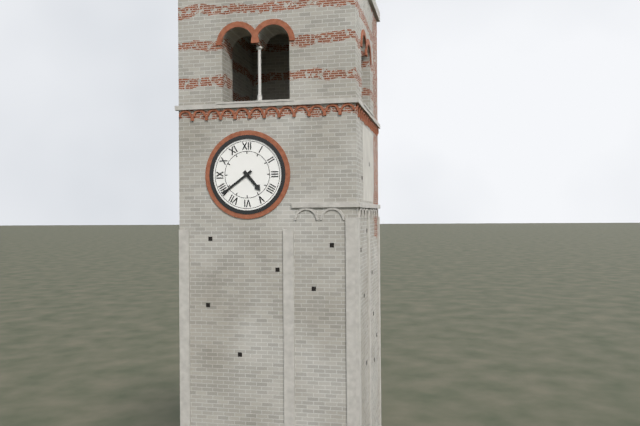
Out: {"hour": 4, "minute": 39}
